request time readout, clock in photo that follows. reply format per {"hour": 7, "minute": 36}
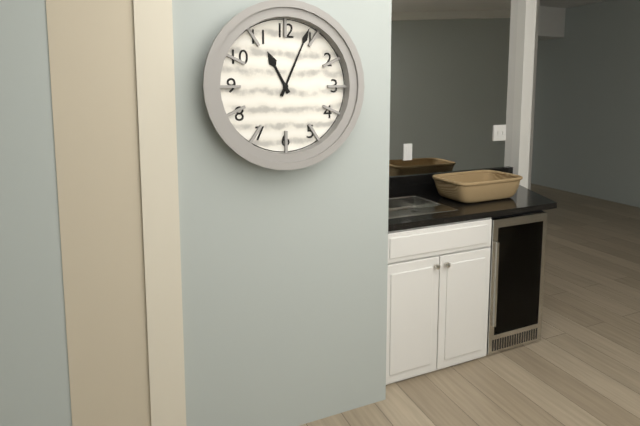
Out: {"hour": 11, "minute": 4}
